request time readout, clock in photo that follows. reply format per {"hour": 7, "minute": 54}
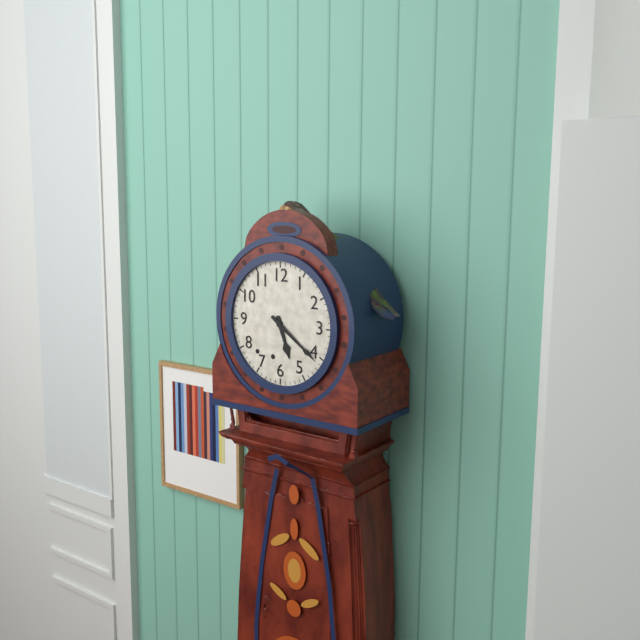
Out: {"hour": 5, "minute": 21}
